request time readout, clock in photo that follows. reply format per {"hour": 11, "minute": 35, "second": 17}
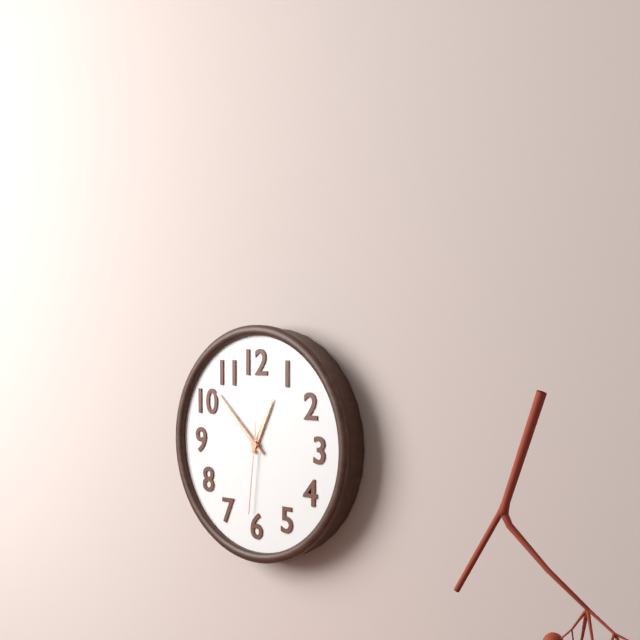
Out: {"hour": 12, "minute": 52, "second": 31}
